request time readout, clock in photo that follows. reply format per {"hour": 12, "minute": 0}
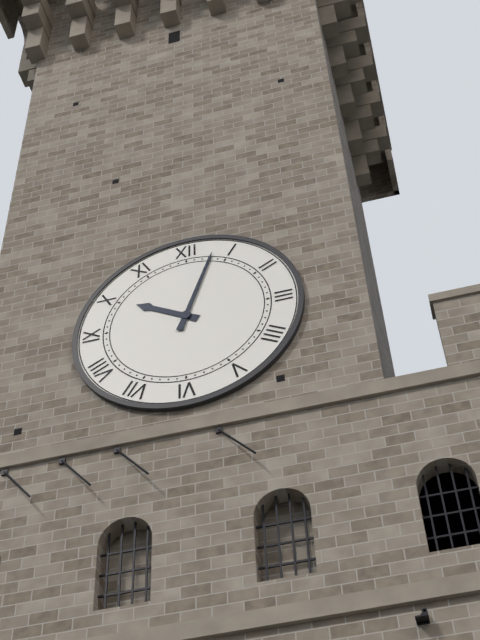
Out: {"hour": 10, "minute": 3}
